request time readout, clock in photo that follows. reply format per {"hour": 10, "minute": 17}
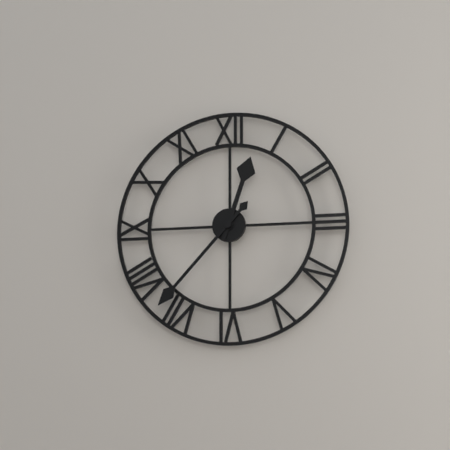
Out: {"hour": 12, "minute": 37}
